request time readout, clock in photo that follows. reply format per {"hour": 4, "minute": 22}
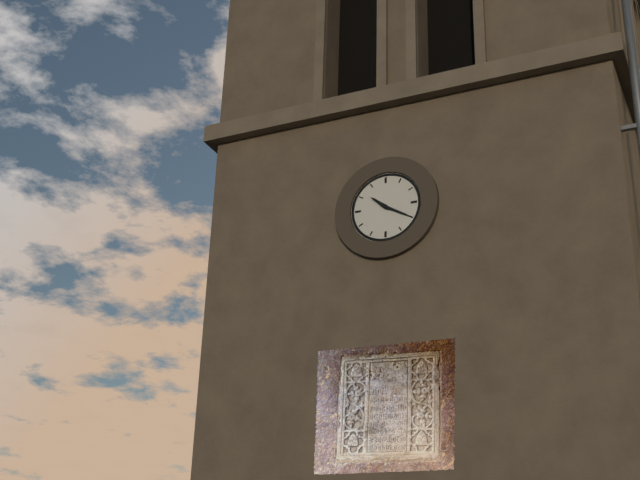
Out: {"hour": 10, "minute": 20}
